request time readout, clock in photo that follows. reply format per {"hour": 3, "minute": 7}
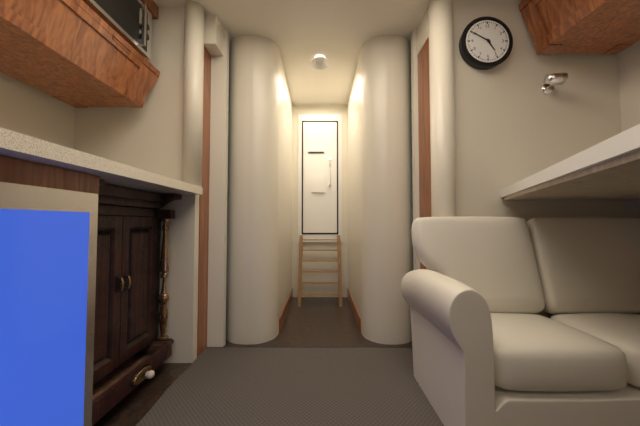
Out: {"hour": 4, "minute": 50}
